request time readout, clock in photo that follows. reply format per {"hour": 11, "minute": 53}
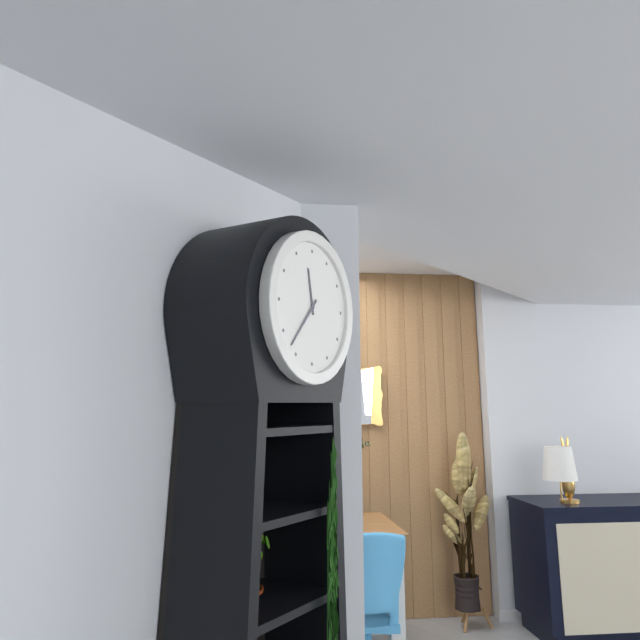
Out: {"hour": 11, "minute": 37}
